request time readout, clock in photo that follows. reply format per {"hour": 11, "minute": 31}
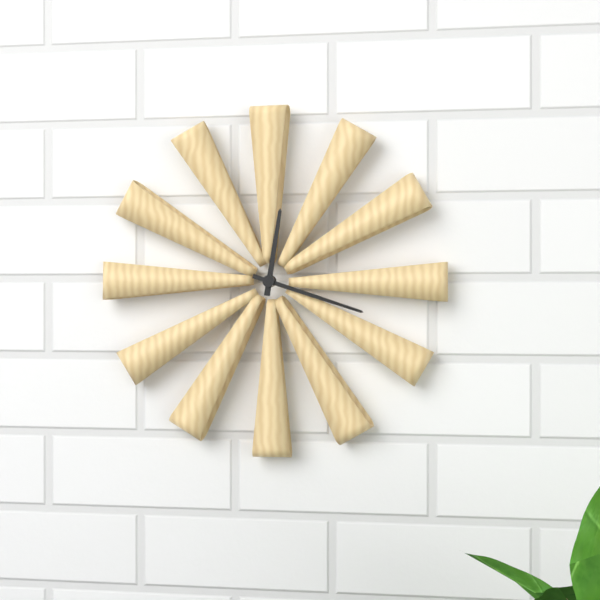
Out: {"hour": 12, "minute": 18}
